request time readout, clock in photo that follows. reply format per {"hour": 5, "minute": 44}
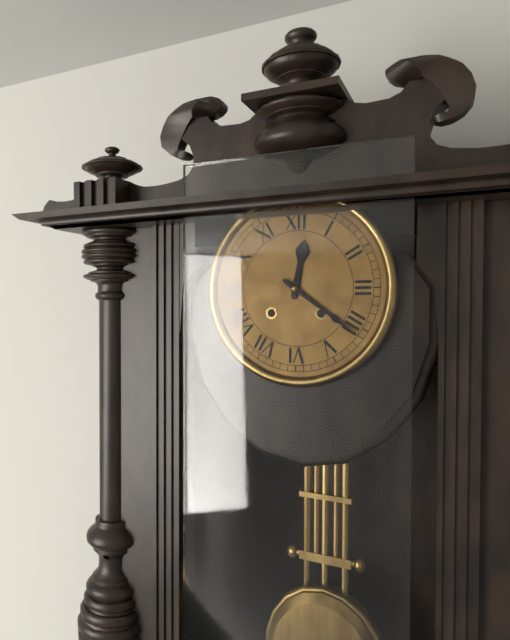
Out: {"hour": 12, "minute": 21}
